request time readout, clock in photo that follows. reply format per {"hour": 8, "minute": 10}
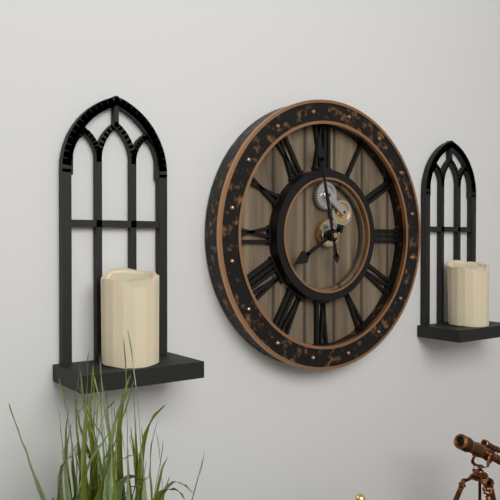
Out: {"hour": 7, "minute": 58}
